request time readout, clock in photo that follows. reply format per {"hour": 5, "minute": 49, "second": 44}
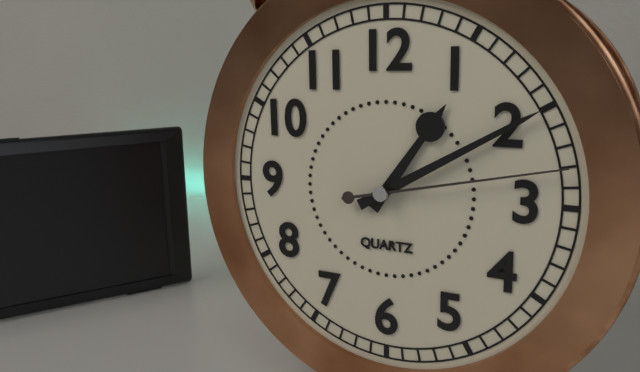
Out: {"hour": 1, "minute": 10, "second": 13}
